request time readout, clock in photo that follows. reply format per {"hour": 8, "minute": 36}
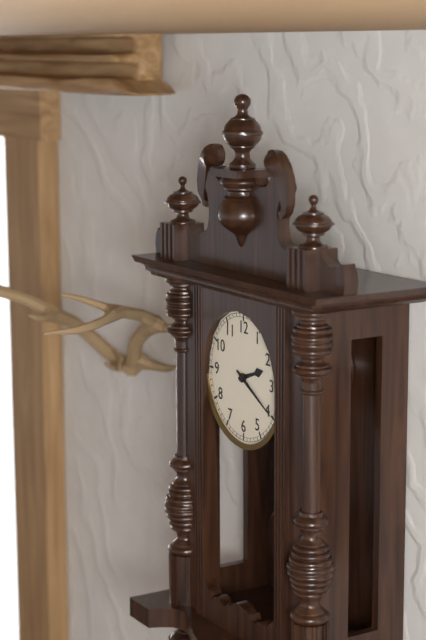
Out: {"hour": 2, "minute": 20}
